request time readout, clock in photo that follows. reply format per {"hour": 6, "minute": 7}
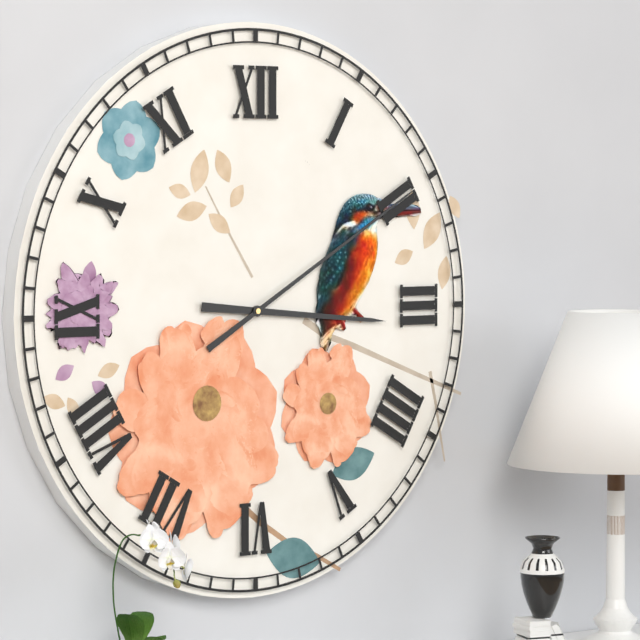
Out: {"hour": 3, "minute": 10}
